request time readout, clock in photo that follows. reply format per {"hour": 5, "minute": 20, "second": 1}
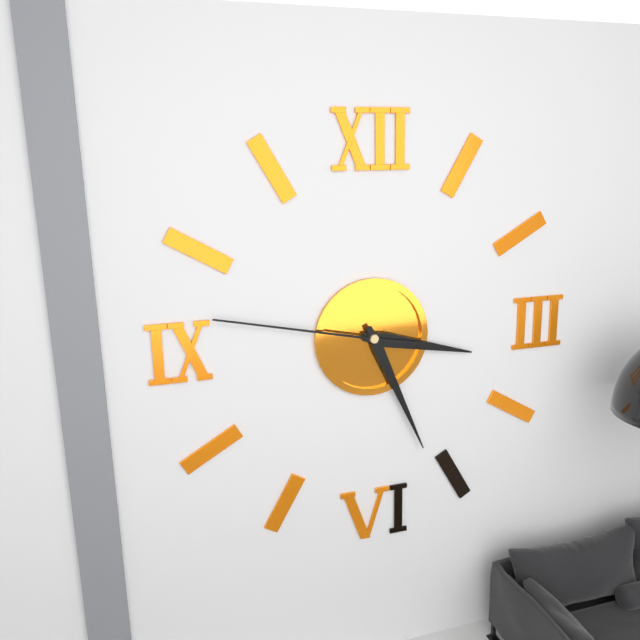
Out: {"hour": 3, "minute": 26, "second": 47}
